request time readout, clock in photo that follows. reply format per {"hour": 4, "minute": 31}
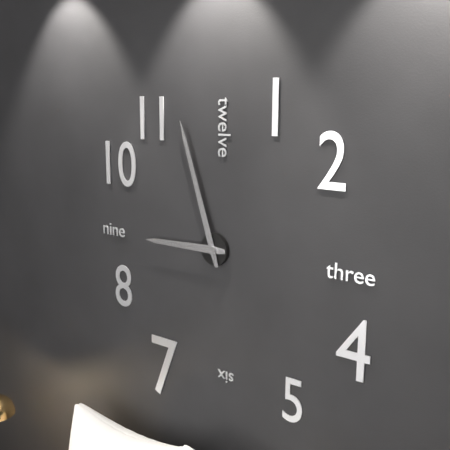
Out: {"hour": 8, "minute": 57}
